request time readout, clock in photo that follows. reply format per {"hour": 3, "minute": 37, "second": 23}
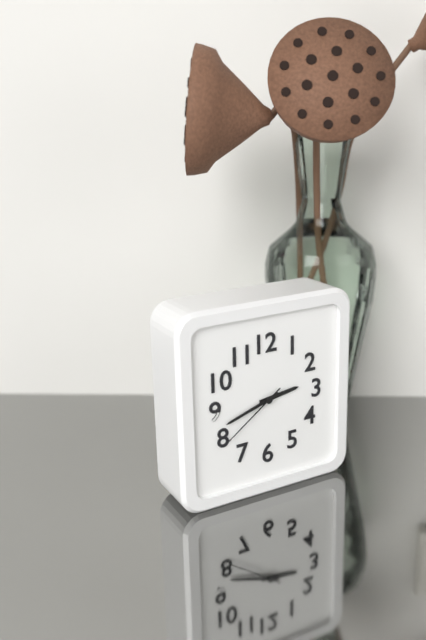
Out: {"hour": 2, "minute": 42, "second": 39}
